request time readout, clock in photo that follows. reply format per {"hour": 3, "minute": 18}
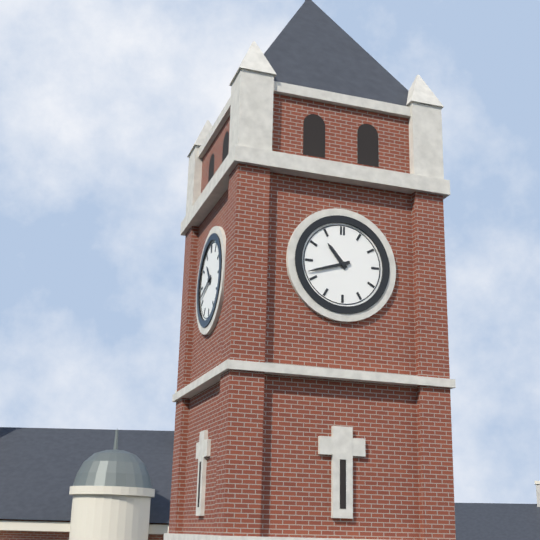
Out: {"hour": 10, "minute": 42}
